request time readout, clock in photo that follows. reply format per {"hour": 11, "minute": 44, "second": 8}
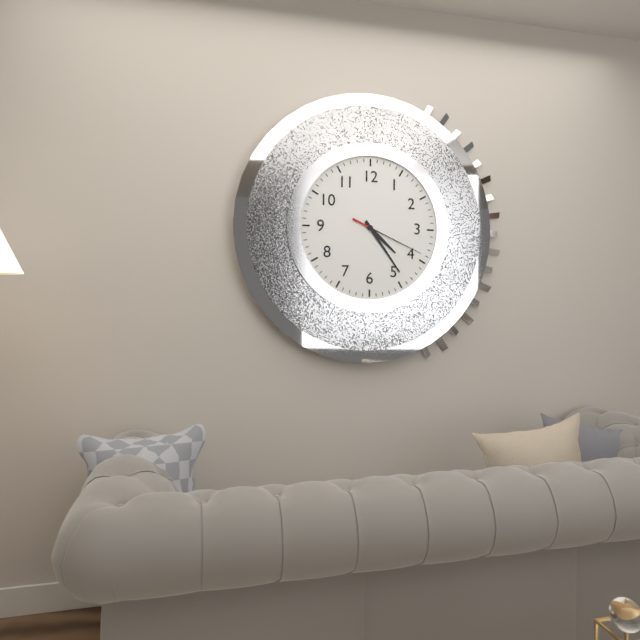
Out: {"hour": 4, "minute": 24, "second": 19}
